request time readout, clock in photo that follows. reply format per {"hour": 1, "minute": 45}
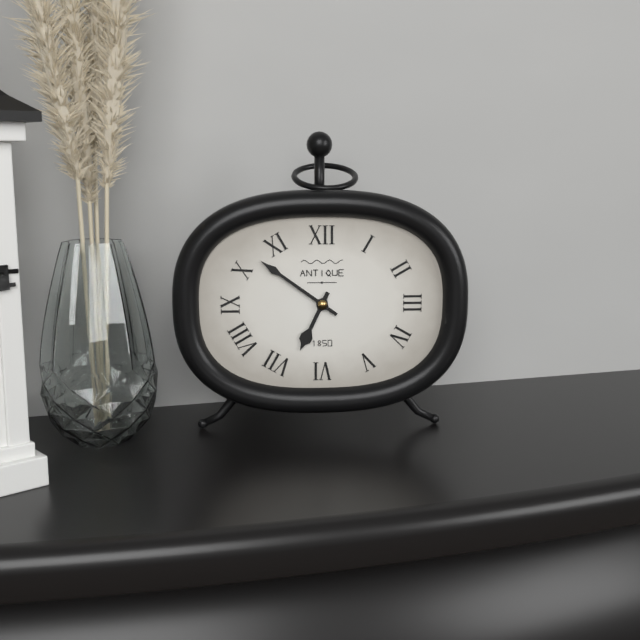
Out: {"hour": 6, "minute": 51}
